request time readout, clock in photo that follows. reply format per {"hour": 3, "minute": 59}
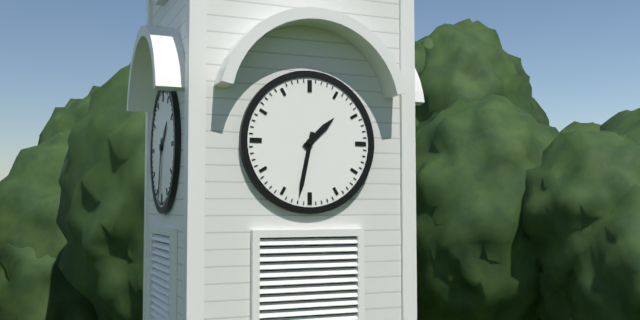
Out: {"hour": 1, "minute": 32}
